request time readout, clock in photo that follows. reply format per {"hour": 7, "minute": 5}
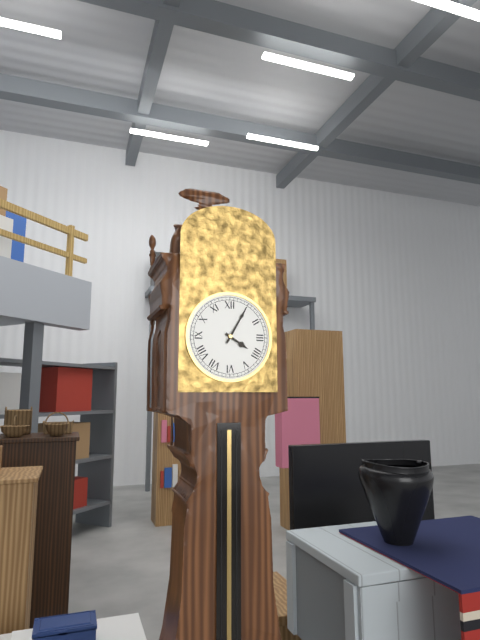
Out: {"hour": 4, "minute": 5}
